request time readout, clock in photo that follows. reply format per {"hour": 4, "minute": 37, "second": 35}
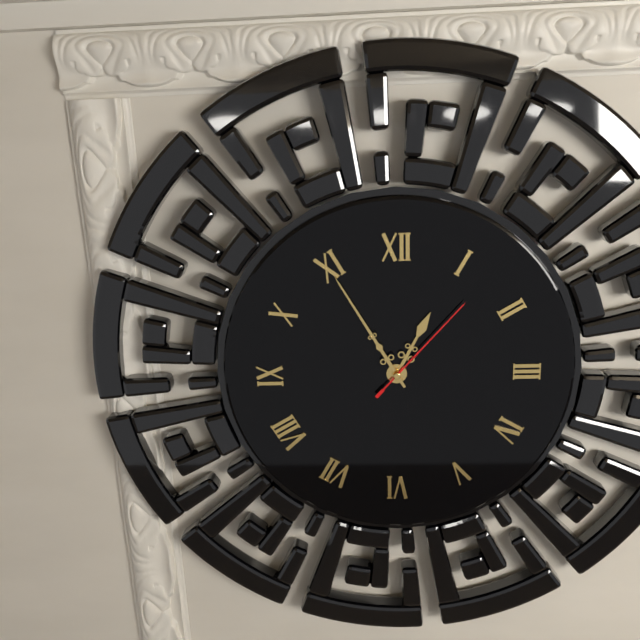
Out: {"hour": 12, "minute": 55, "second": 7}
